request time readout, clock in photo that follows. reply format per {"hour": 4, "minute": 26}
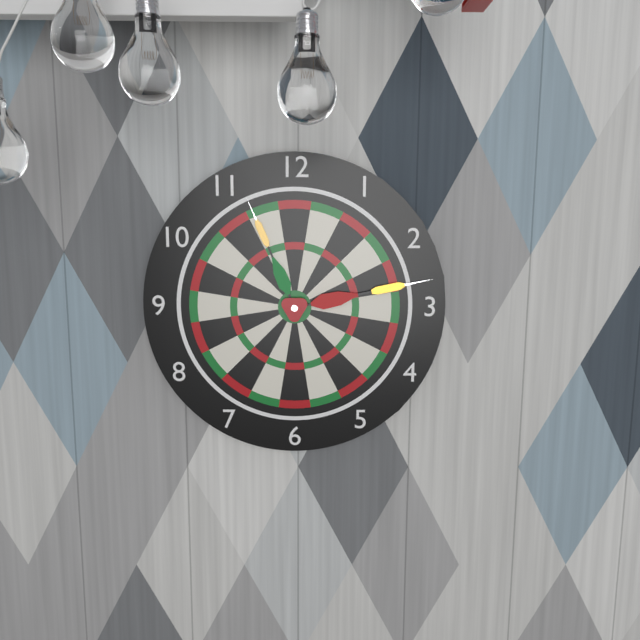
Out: {"hour": 11, "minute": 13}
